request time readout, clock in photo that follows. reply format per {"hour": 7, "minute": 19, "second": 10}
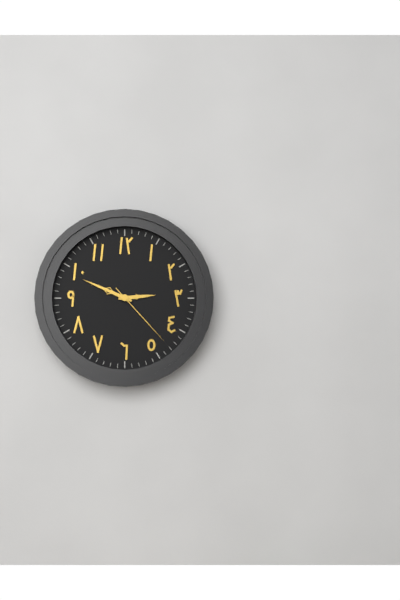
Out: {"hour": 2, "minute": 49, "second": 23}
